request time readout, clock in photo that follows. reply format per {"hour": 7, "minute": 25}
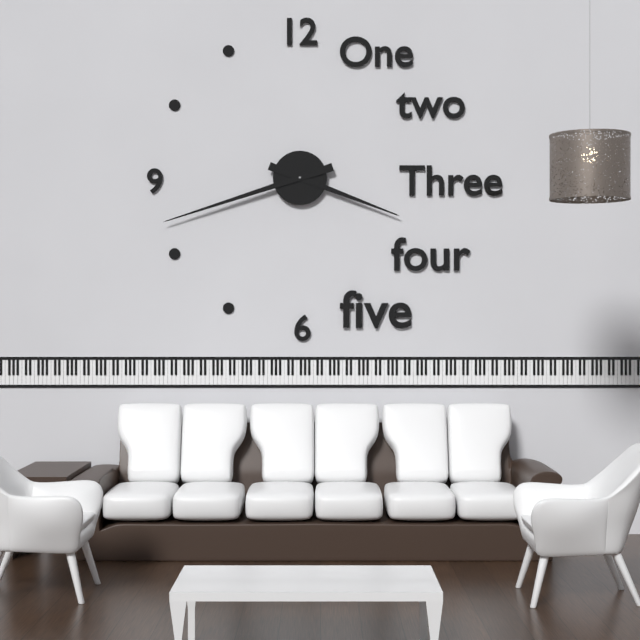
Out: {"hour": 3, "minute": 42}
